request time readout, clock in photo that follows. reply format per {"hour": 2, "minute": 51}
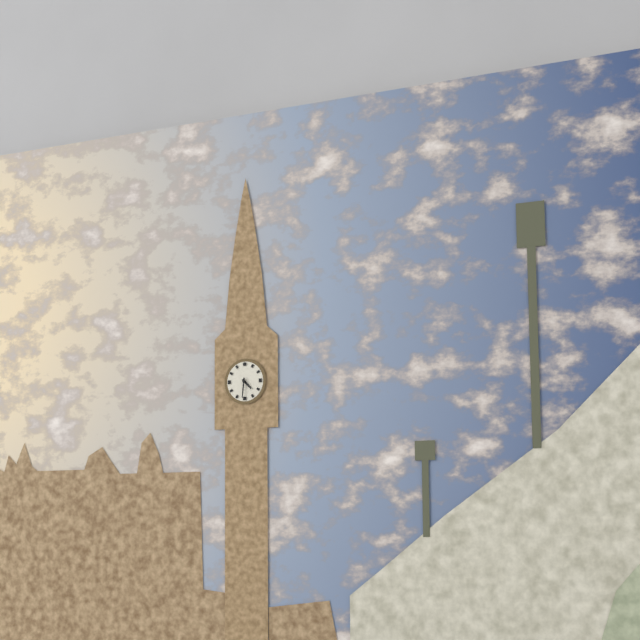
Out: {"hour": 4, "minute": 31}
